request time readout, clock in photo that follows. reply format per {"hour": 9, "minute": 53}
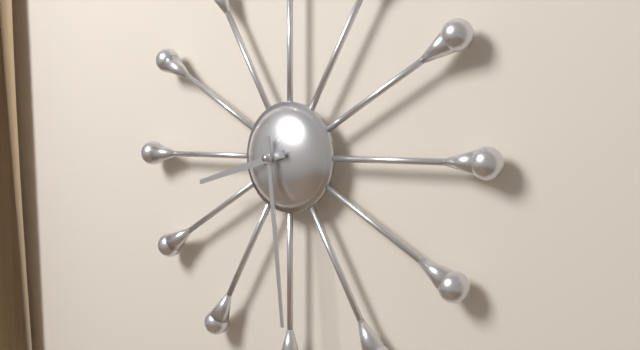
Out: {"hour": 8, "minute": 29}
